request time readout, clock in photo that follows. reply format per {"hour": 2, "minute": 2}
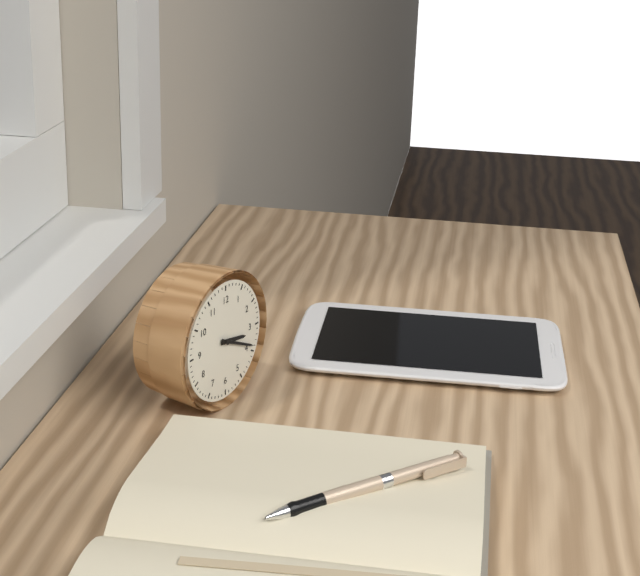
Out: {"hour": 3, "minute": 19}
